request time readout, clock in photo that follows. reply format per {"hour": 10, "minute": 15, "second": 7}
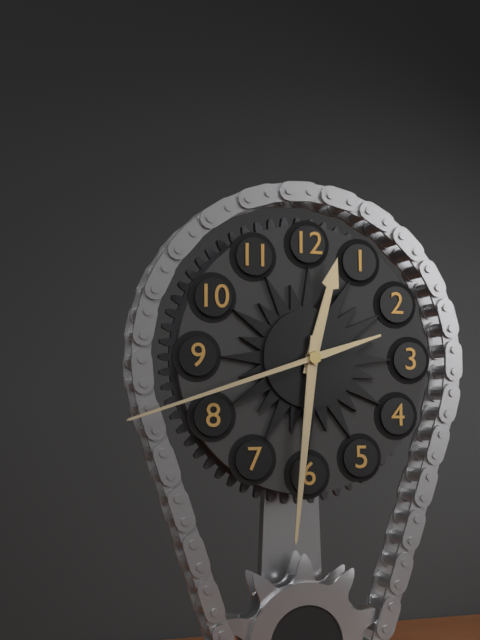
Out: {"hour": 12, "minute": 31, "second": 42}
